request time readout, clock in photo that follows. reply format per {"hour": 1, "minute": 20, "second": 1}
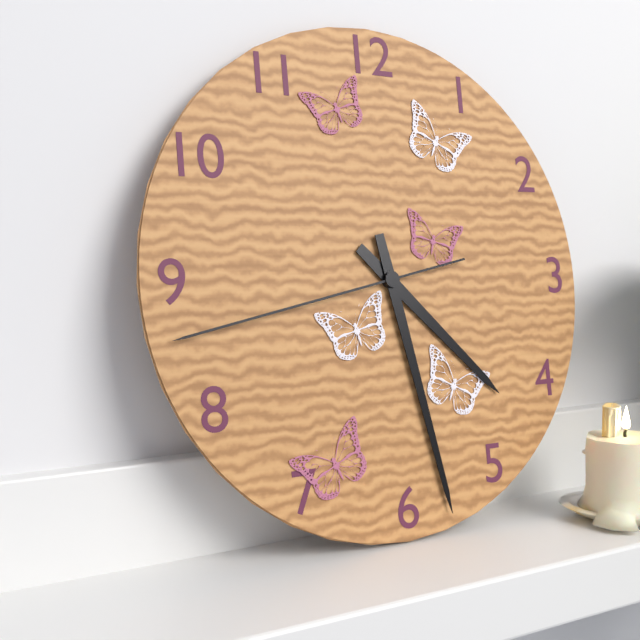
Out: {"hour": 4, "minute": 28, "second": 43}
